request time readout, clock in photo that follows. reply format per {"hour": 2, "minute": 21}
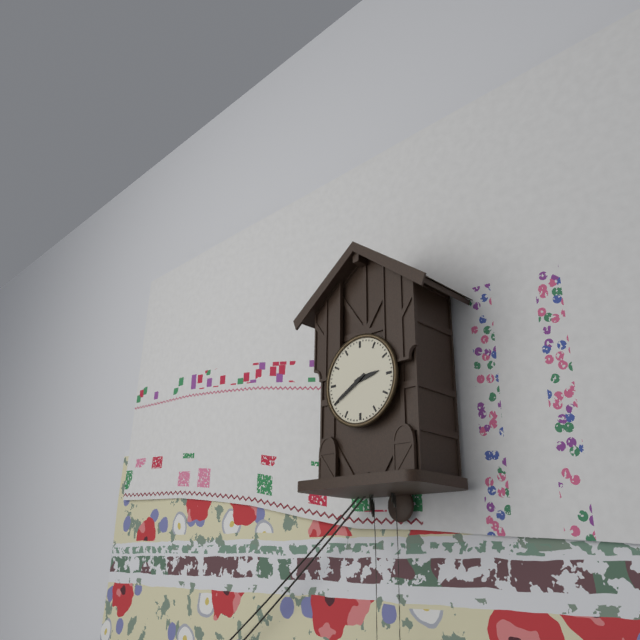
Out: {"hour": 2, "minute": 40}
